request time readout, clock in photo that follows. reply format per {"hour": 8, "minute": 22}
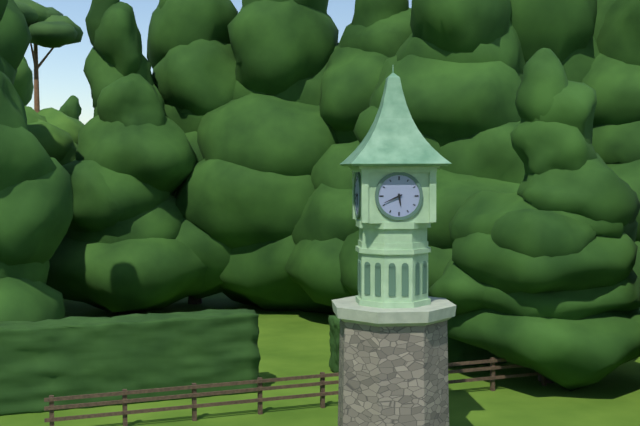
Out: {"hour": 5, "minute": 41}
